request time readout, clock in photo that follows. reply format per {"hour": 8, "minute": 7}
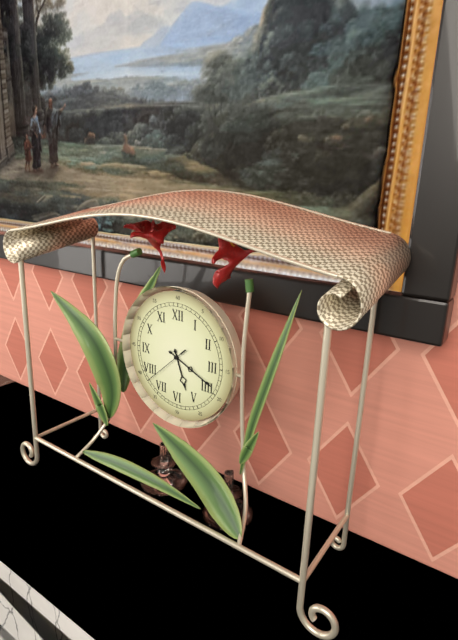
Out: {"hour": 5, "minute": 19}
